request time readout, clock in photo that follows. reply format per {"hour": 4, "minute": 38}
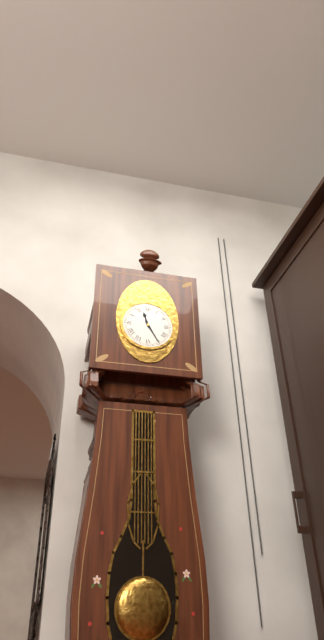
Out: {"hour": 11, "minute": 25}
